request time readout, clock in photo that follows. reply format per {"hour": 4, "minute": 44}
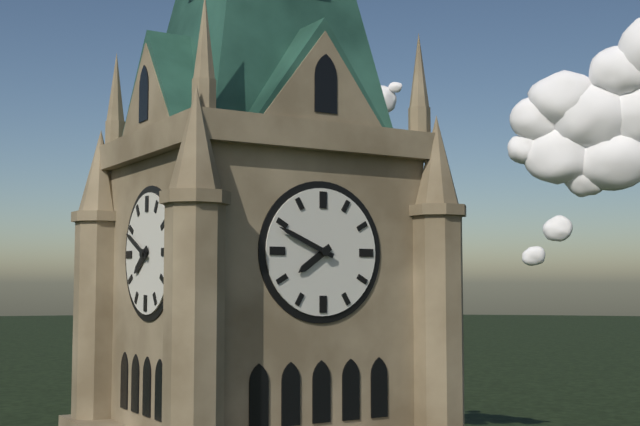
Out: {"hour": 7, "minute": 49}
